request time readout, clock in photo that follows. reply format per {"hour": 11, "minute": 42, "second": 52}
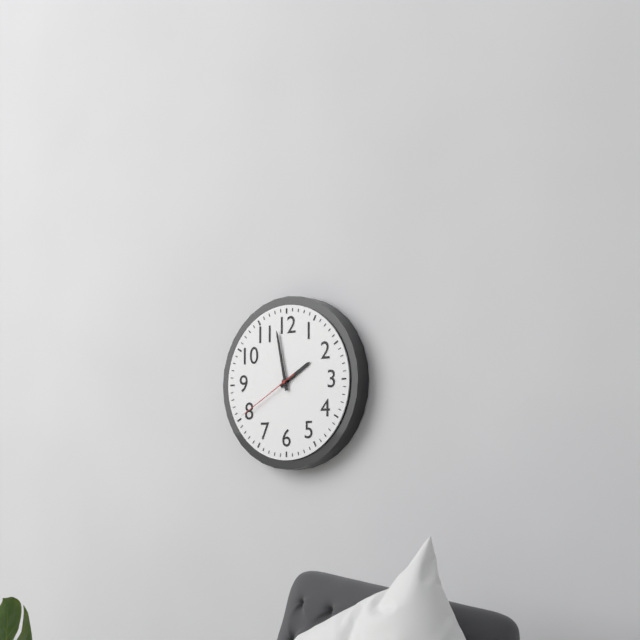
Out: {"hour": 1, "minute": 58, "second": 40}
